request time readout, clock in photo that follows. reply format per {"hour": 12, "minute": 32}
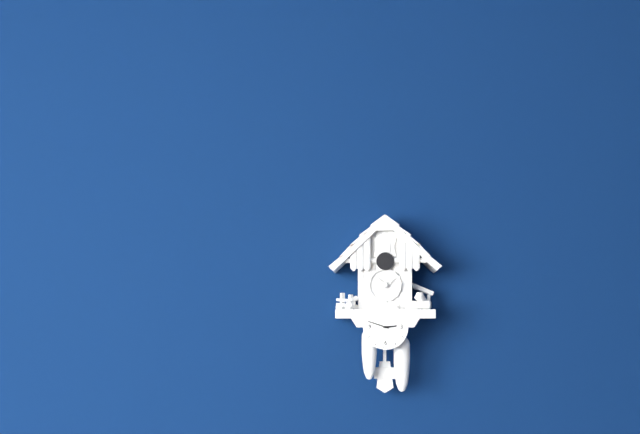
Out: {"hour": 2, "minute": 48}
